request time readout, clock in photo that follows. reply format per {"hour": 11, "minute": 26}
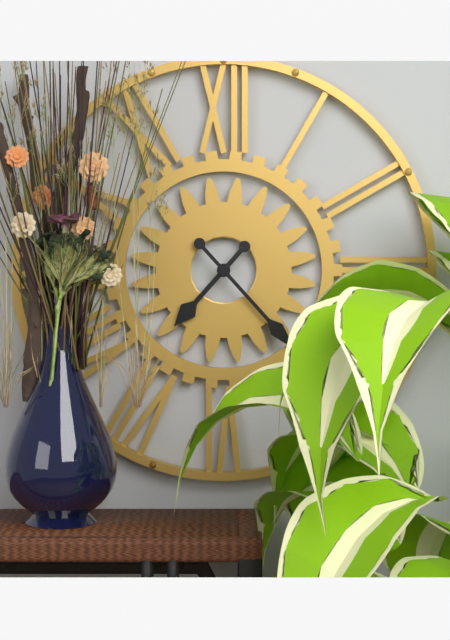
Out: {"hour": 7, "minute": 23}
